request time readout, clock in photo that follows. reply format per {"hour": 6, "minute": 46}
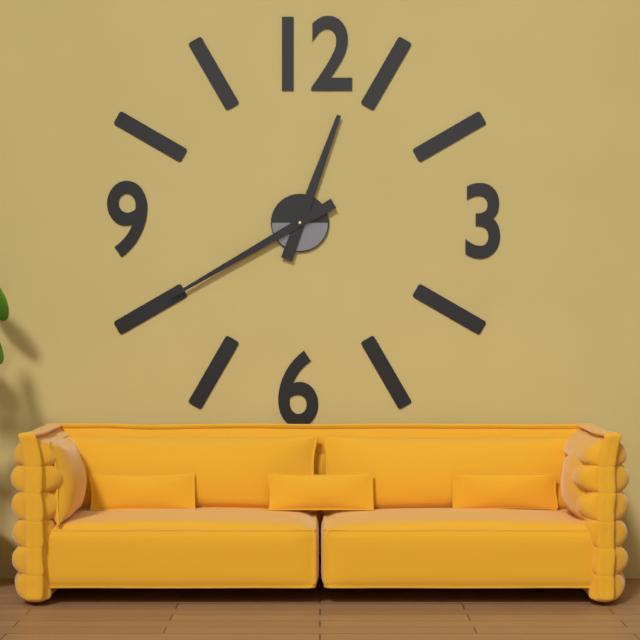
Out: {"hour": 12, "minute": 40}
